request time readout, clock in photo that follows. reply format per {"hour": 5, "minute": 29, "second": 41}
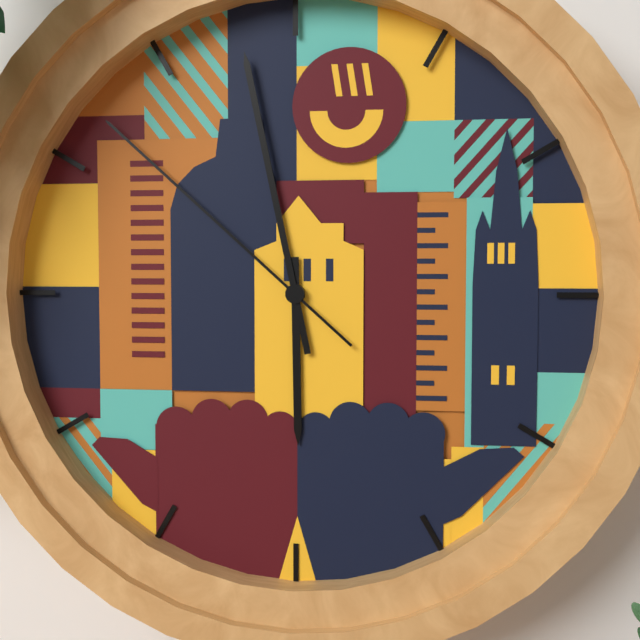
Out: {"hour": 5, "minute": 58, "second": 52}
